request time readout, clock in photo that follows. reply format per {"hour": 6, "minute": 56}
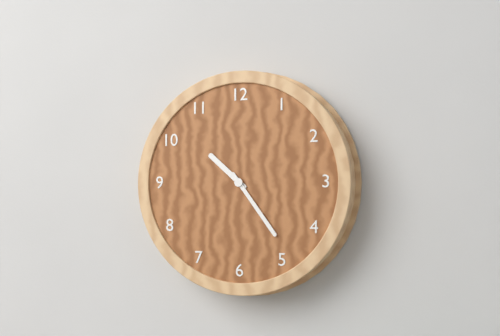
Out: {"hour": 10, "minute": 24}
